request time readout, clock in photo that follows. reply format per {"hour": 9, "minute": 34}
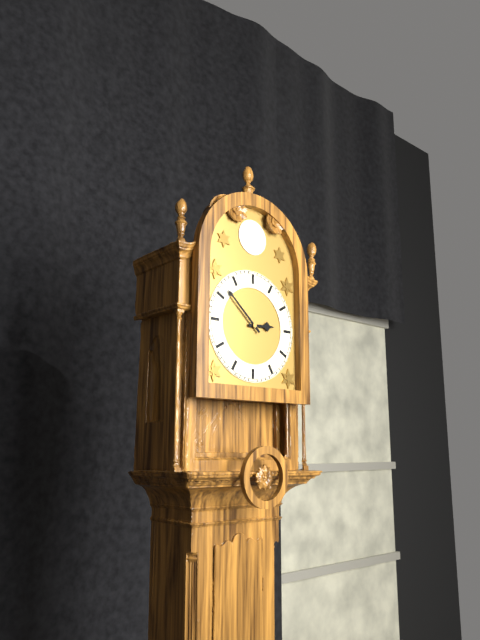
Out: {"hour": 2, "minute": 52}
